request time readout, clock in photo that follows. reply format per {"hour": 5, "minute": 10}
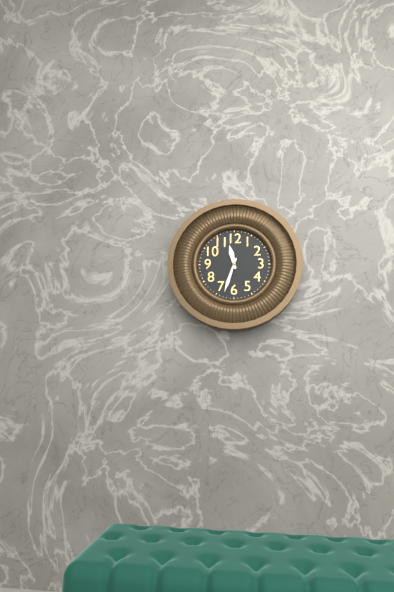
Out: {"hour": 11, "minute": 33}
